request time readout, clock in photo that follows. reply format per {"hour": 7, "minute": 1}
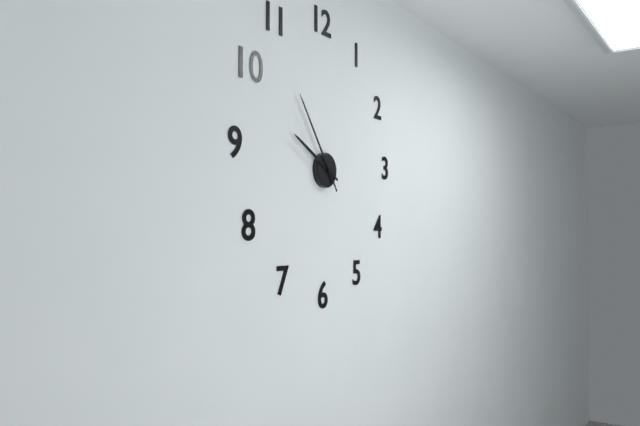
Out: {"hour": 9, "minute": 54}
